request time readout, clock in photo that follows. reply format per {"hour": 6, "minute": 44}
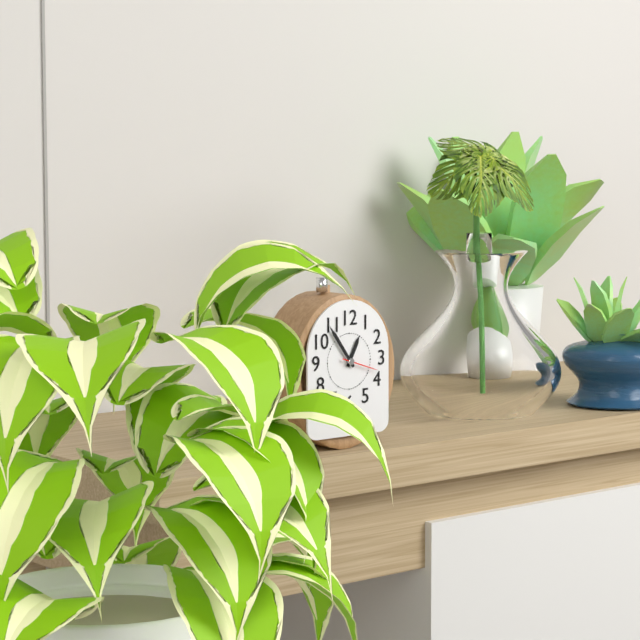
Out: {"hour": 12, "minute": 54}
